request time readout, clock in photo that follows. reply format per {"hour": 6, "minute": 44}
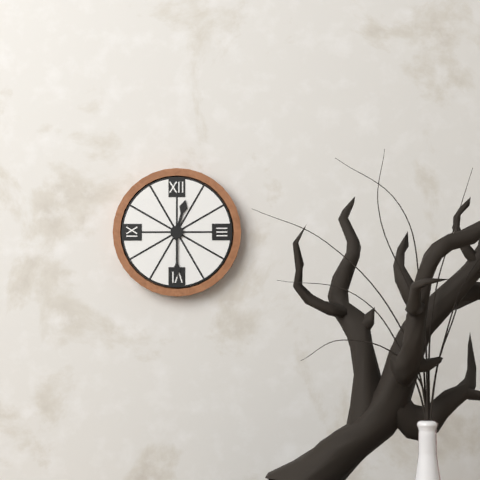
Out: {"hour": 12, "minute": 30}
